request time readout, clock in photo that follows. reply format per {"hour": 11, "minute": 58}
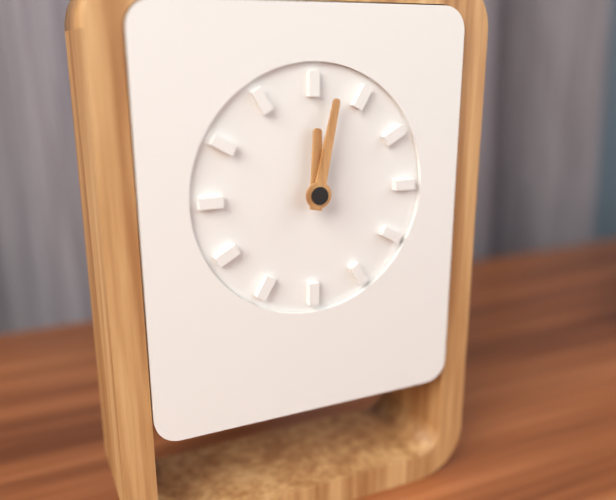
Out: {"hour": 12, "minute": 2}
